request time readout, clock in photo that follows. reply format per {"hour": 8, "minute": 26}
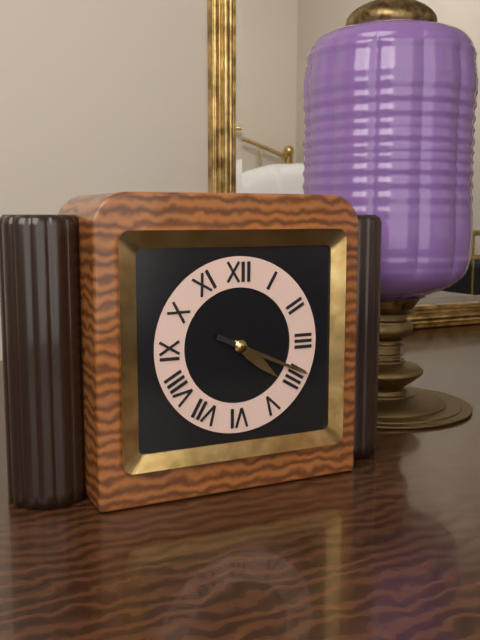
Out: {"hour": 4, "minute": 19}
